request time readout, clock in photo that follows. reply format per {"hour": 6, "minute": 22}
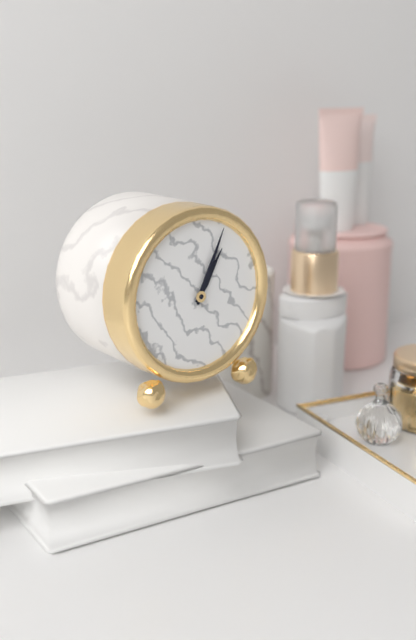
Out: {"hour": 1, "minute": 4}
